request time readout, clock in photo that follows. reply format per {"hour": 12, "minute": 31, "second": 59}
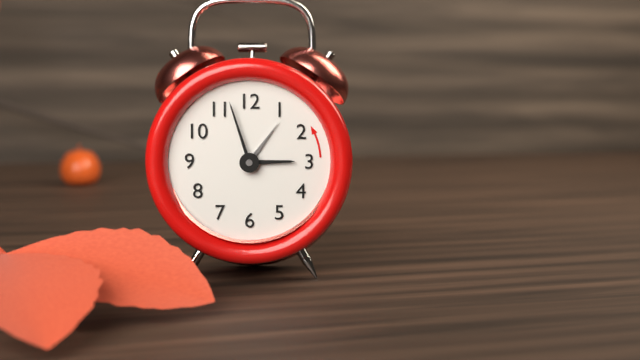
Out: {"hour": 2, "minute": 57, "second": 6}
